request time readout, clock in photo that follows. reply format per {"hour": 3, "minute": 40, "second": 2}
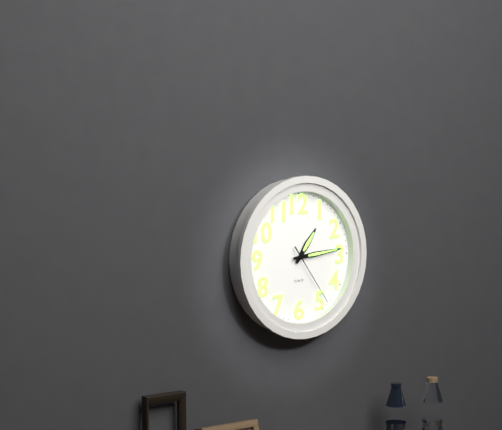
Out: {"hour": 1, "minute": 14, "second": 24}
